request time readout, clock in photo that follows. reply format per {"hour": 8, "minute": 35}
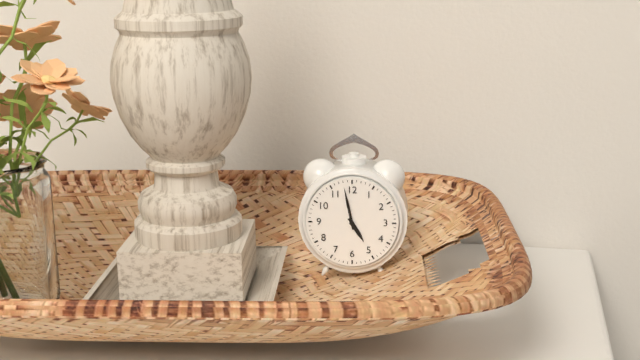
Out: {"hour": 4, "minute": 58}
